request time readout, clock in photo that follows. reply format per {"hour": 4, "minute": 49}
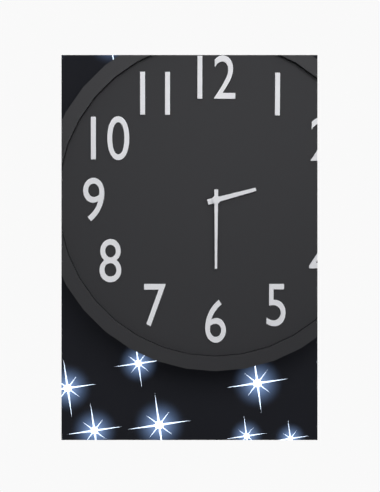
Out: {"hour": 2, "minute": 30}
